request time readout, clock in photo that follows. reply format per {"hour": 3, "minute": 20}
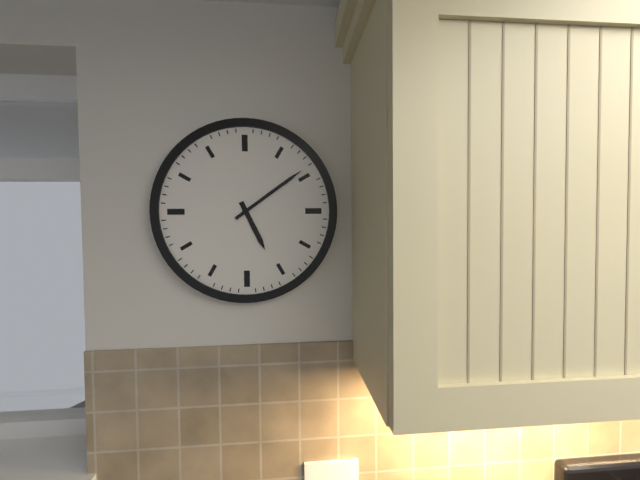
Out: {"hour": 5, "minute": 9}
